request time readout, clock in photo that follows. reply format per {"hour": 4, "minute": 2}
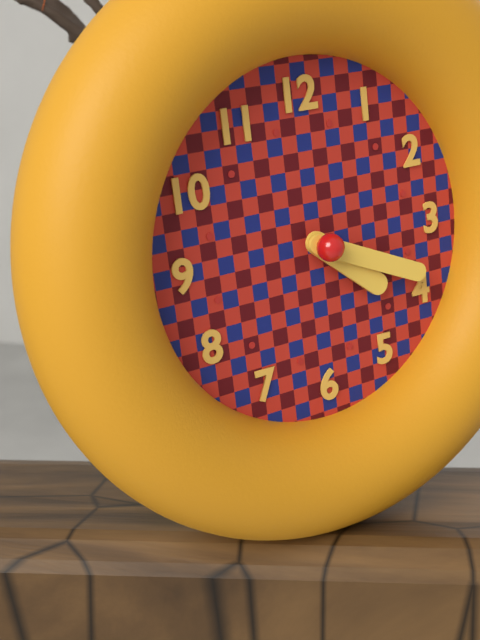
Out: {"hour": 4, "minute": 19}
